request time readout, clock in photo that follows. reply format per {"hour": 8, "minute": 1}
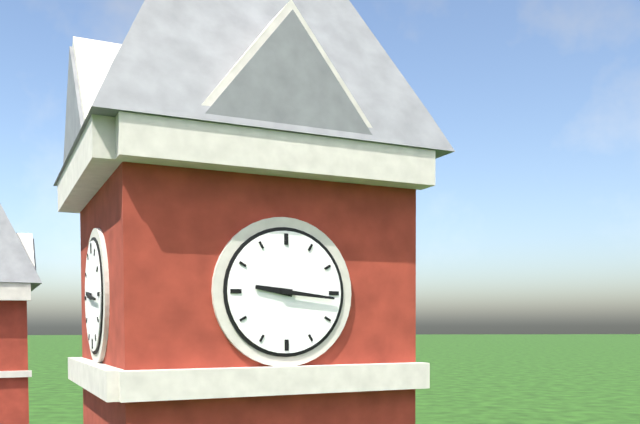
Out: {"hour": 9, "minute": 16}
